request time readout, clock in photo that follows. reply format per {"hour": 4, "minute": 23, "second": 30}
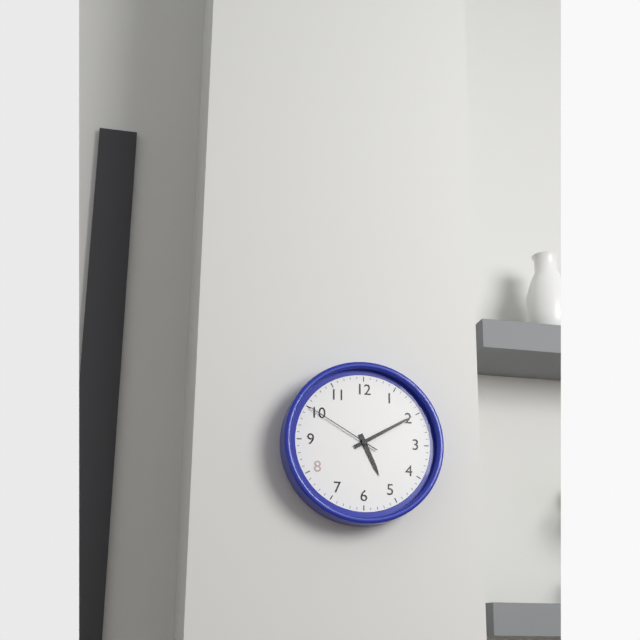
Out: {"hour": 5, "minute": 10, "second": 50}
